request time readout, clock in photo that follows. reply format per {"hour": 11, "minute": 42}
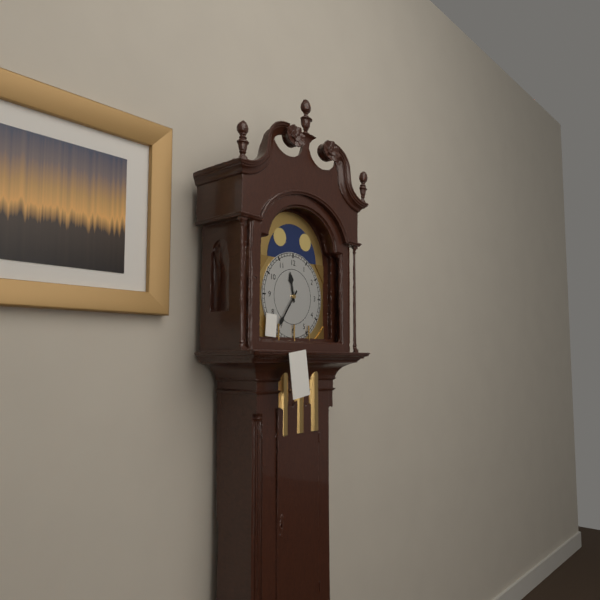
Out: {"hour": 11, "minute": 36}
